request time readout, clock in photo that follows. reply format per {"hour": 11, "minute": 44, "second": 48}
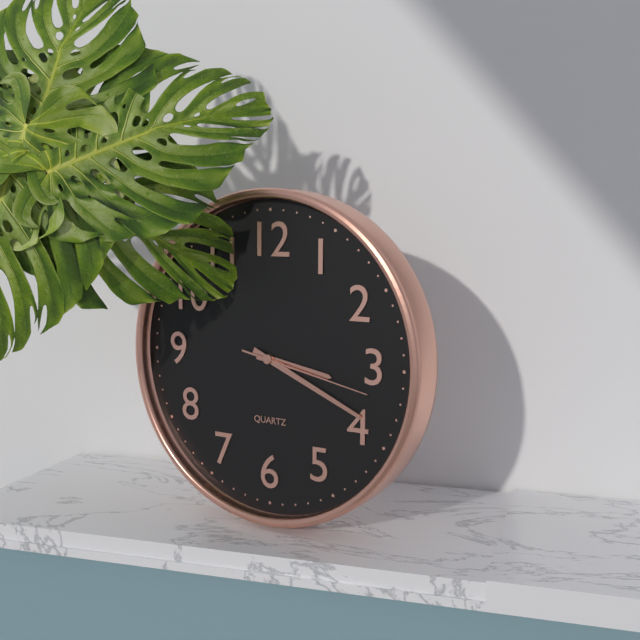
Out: {"hour": 3, "minute": 19, "second": 17}
